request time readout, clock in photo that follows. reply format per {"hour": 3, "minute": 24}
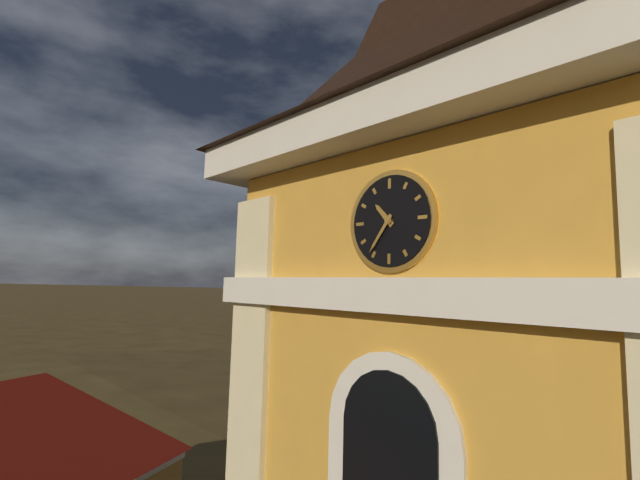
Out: {"hour": 10, "minute": 36}
